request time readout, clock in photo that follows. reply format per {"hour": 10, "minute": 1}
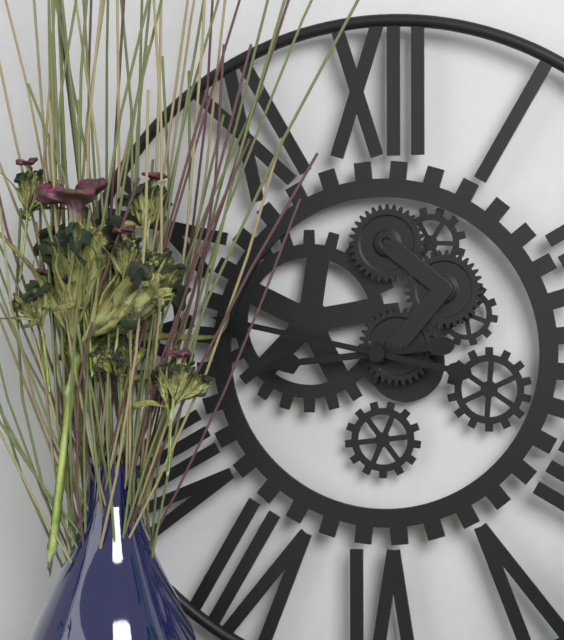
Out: {"hour": 8, "minute": 47}
